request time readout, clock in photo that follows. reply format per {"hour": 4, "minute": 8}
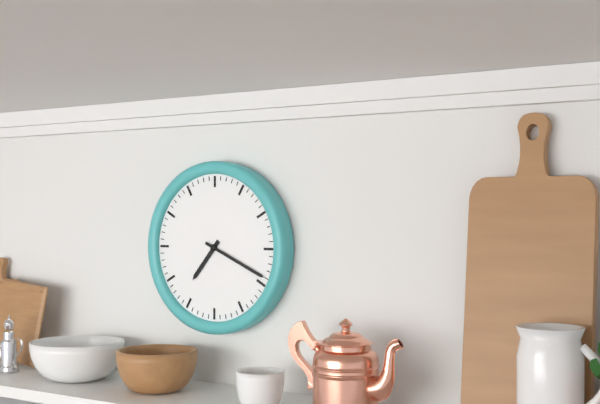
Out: {"hour": 7, "minute": 19}
